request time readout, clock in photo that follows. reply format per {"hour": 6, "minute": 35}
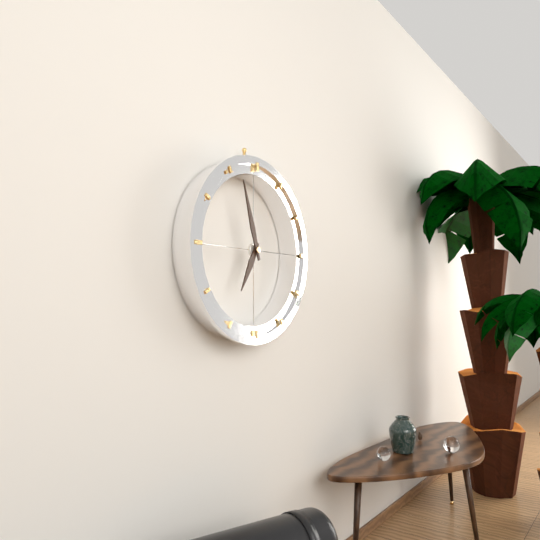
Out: {"hour": 6, "minute": 57}
